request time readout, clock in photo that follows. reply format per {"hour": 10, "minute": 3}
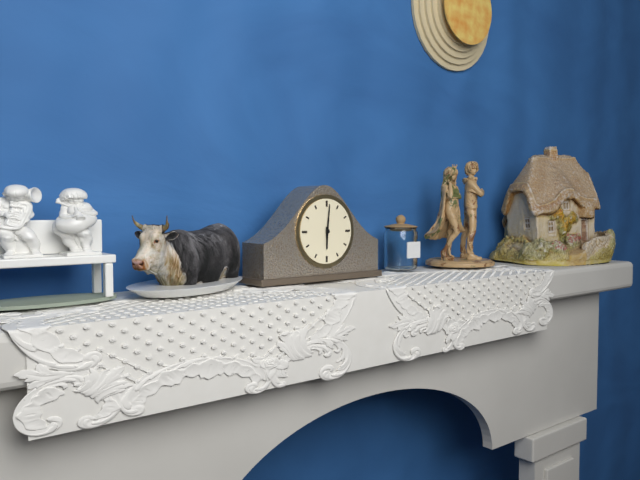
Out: {"hour": 6, "minute": 1}
